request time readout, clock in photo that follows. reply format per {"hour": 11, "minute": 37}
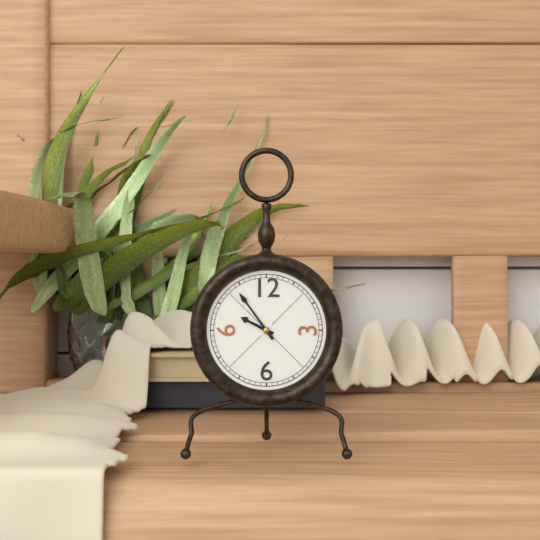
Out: {"hour": 9, "minute": 54}
